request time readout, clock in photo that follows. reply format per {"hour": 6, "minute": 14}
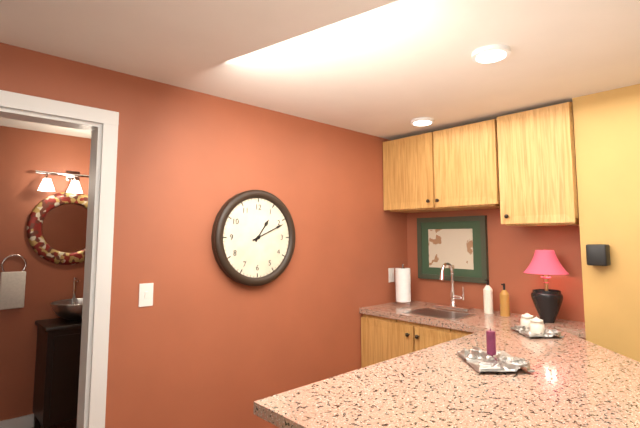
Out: {"hour": 1, "minute": 11}
